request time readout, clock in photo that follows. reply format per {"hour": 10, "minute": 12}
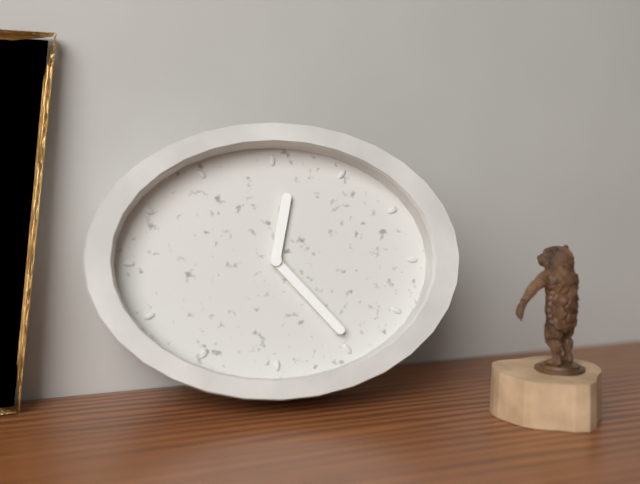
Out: {"hour": 12, "minute": 23}
